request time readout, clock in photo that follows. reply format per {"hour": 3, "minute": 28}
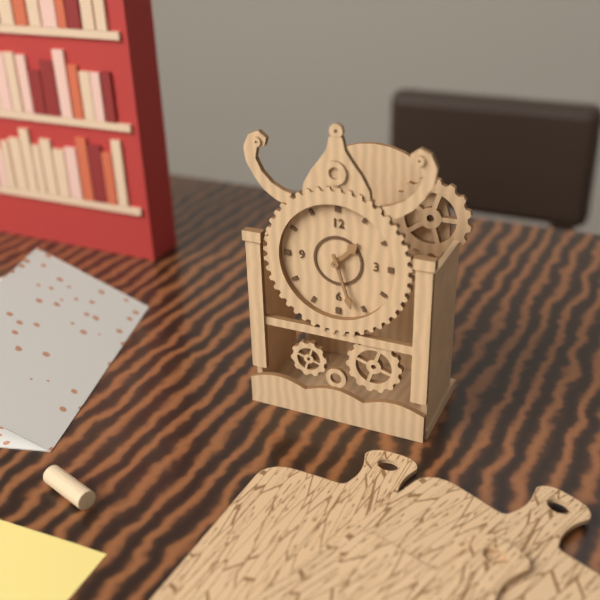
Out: {"hour": 1, "minute": 27}
